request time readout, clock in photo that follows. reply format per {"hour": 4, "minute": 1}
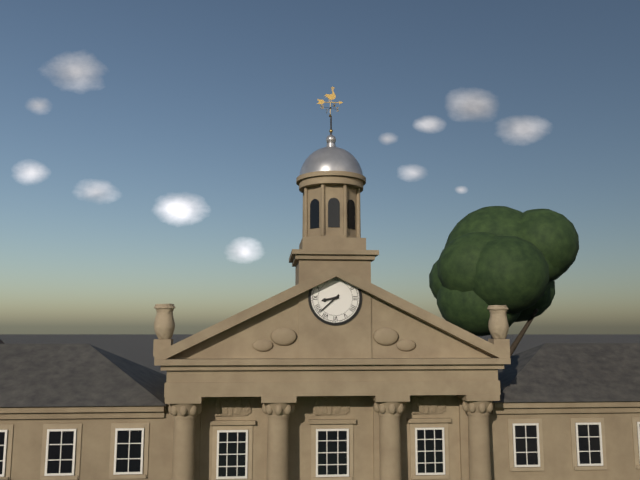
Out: {"hour": 8, "minute": 38}
